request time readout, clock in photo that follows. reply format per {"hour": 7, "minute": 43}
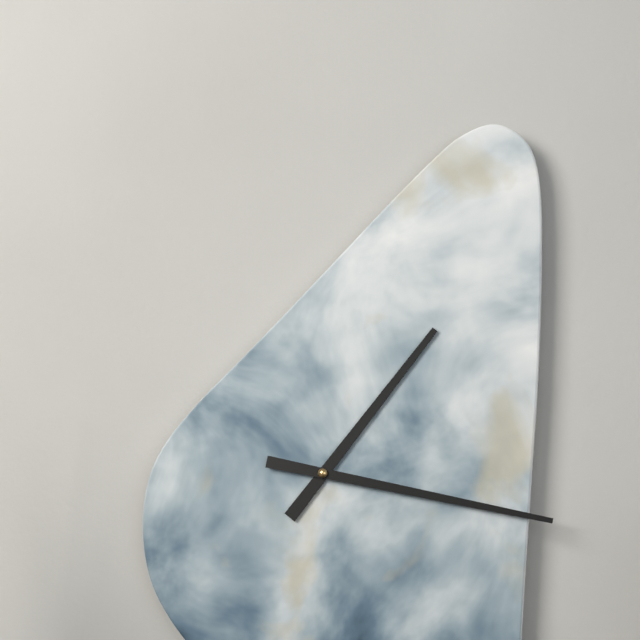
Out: {"hour": 1, "minute": 17}
